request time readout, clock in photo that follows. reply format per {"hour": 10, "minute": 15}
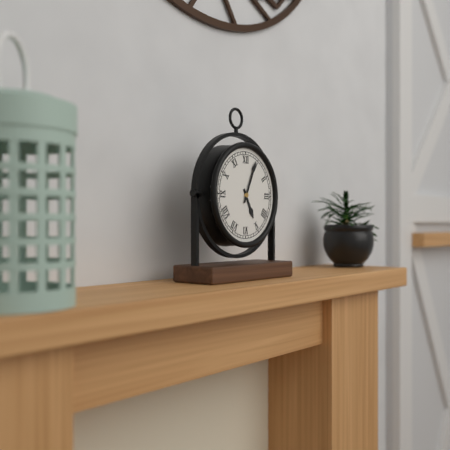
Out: {"hour": 5, "minute": 4}
